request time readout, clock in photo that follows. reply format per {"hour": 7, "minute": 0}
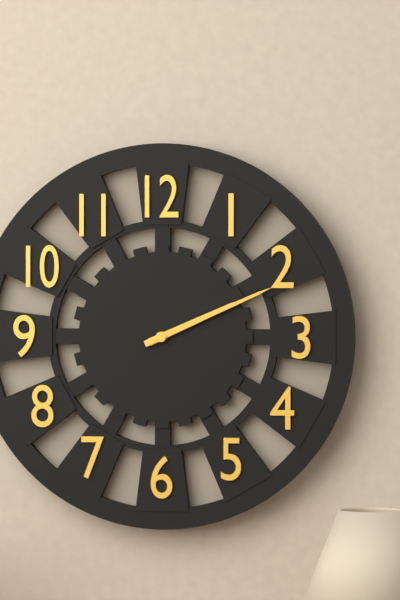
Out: {"hour": 2, "minute": 11}
